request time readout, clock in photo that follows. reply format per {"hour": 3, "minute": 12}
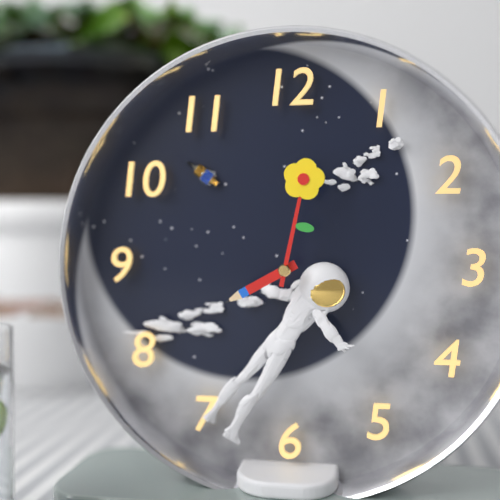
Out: {"hour": 8, "minute": 2}
